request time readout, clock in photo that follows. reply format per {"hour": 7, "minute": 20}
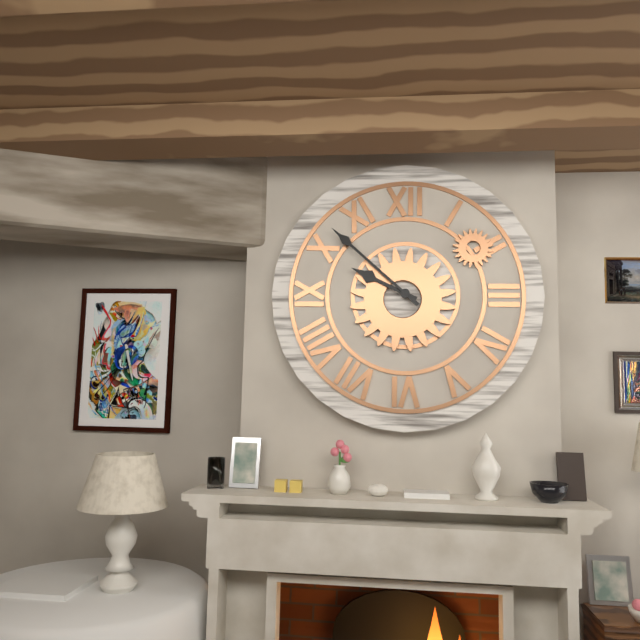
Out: {"hour": 9, "minute": 52}
